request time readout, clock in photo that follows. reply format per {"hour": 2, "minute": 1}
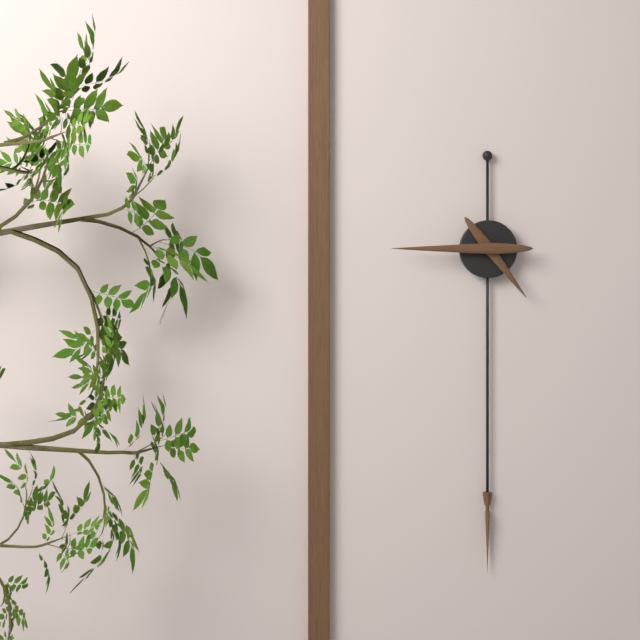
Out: {"hour": 4, "minute": 45}
